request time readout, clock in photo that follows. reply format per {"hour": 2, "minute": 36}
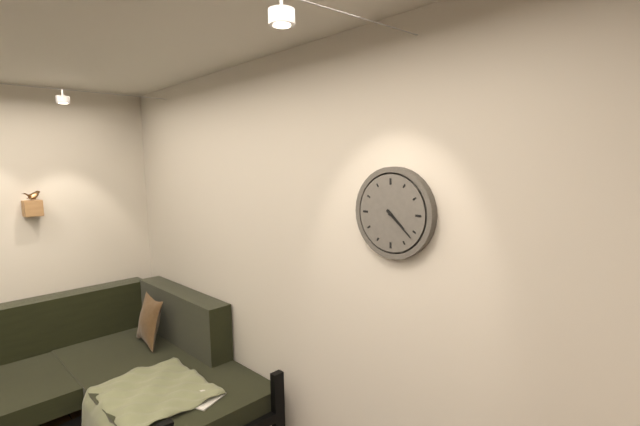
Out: {"hour": 4, "minute": 22}
